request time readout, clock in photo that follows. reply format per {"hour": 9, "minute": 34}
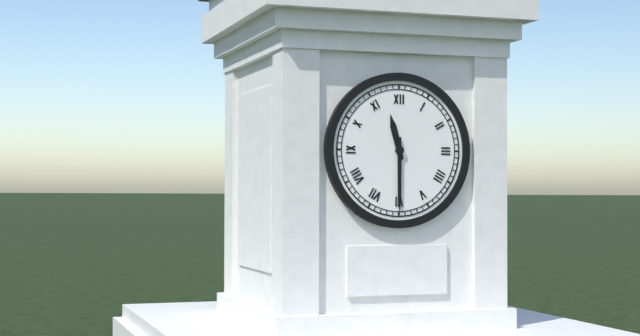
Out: {"hour": 11, "minute": 30}
